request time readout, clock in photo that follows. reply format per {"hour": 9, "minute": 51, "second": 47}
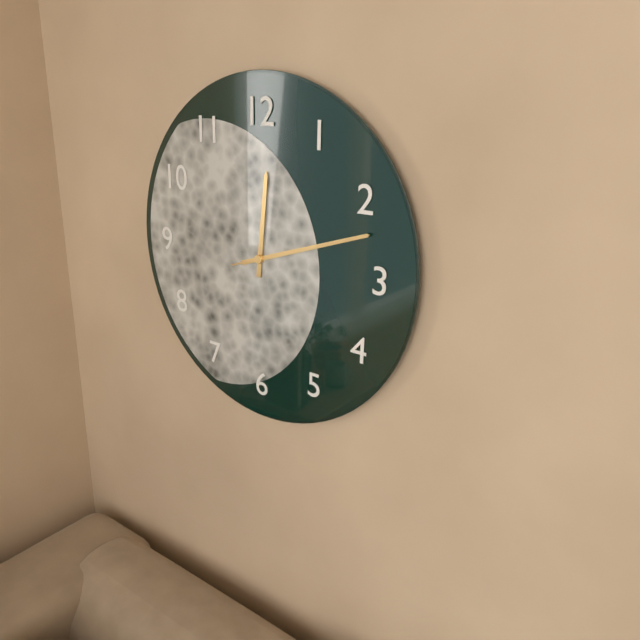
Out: {"hour": 12, "minute": 12, "second": 12}
